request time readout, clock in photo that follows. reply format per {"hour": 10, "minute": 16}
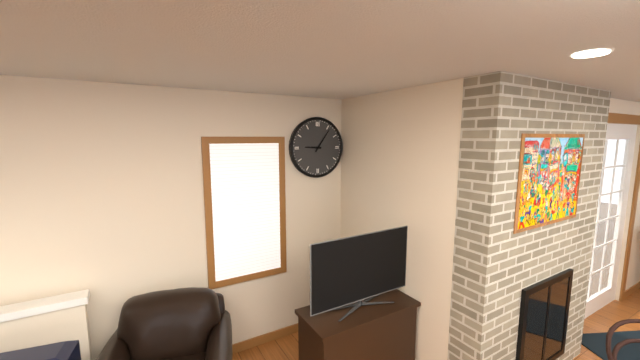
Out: {"hour": 9, "minute": 6}
